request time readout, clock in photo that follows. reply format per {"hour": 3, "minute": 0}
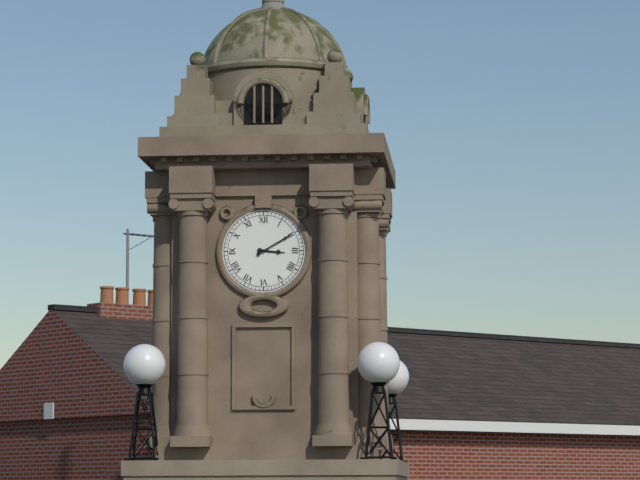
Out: {"hour": 3, "minute": 10}
